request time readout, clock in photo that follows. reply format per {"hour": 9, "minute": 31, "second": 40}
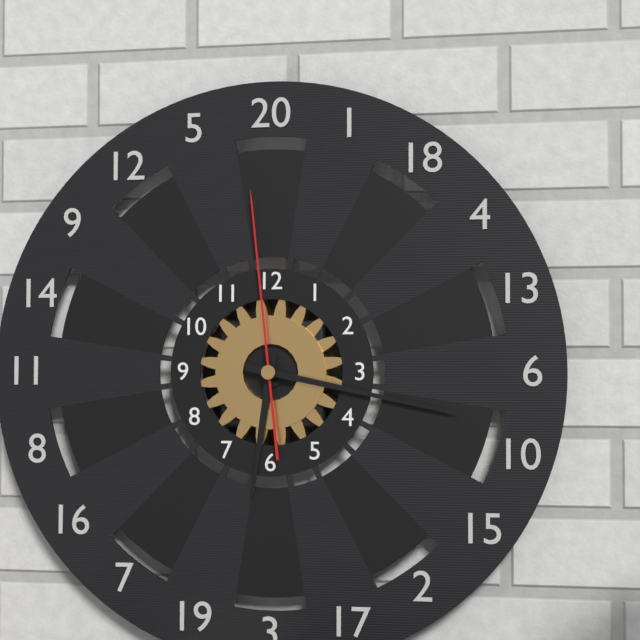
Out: {"hour": 6, "minute": 17, "second": 59}
